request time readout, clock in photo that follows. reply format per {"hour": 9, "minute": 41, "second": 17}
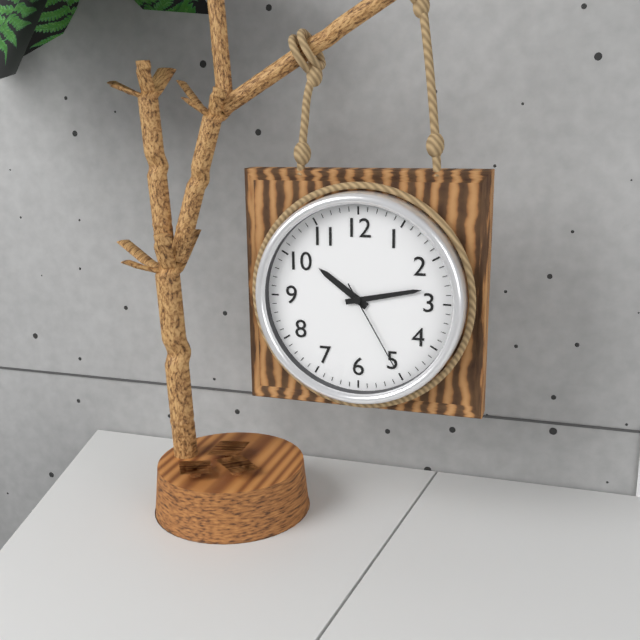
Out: {"hour": 10, "minute": 13, "second": 25}
